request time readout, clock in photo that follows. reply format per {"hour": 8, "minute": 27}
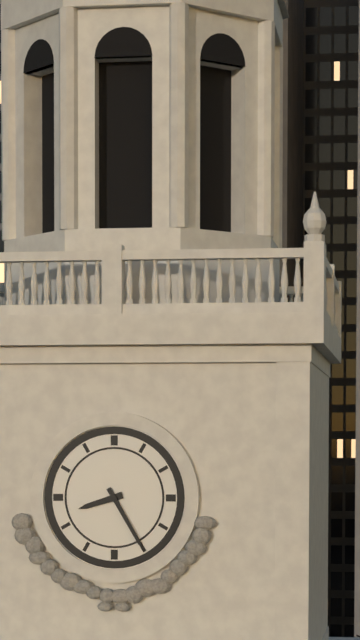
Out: {"hour": 8, "minute": 25}
